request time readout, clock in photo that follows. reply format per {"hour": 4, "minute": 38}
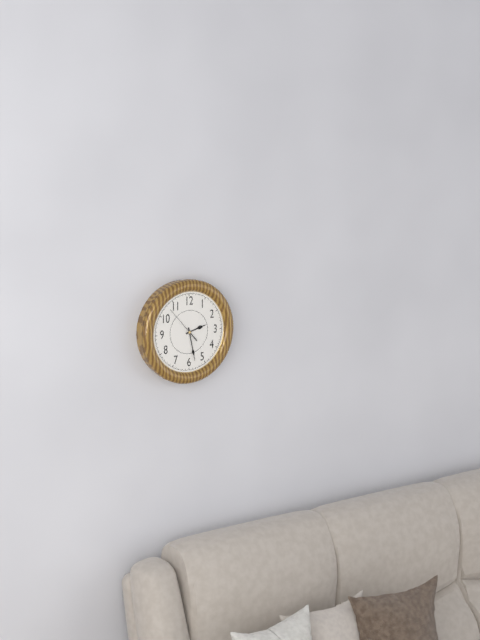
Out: {"hour": 2, "minute": 28}
